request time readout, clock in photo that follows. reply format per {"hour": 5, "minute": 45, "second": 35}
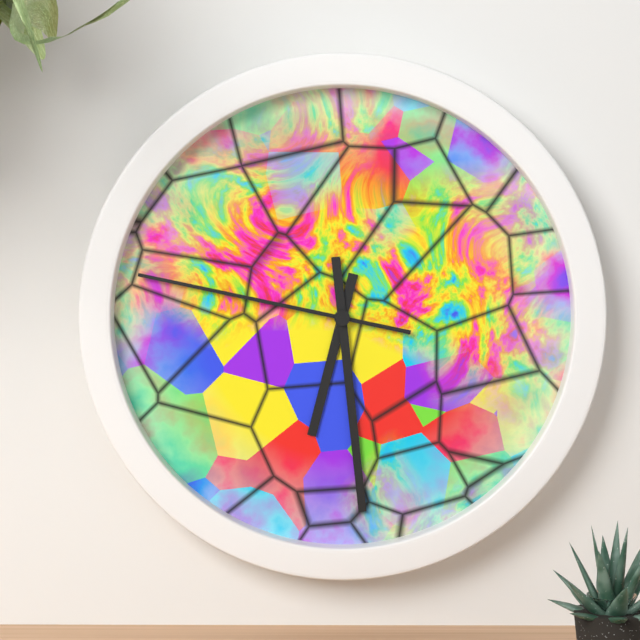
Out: {"hour": 6, "minute": 29, "second": 47}
